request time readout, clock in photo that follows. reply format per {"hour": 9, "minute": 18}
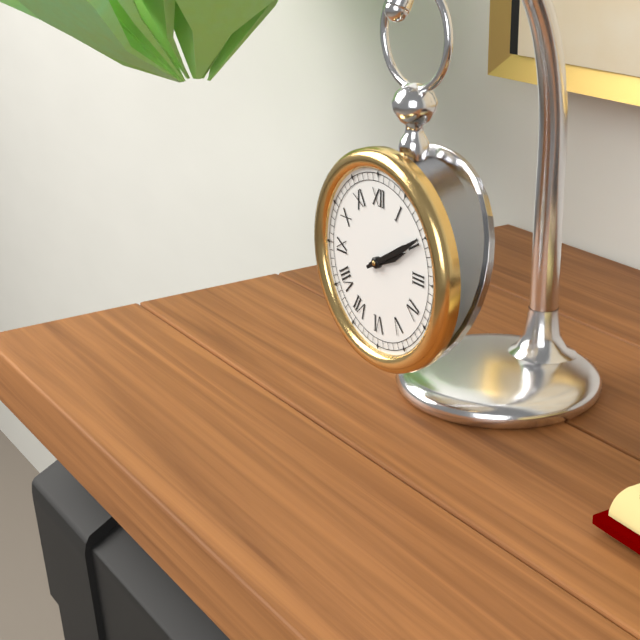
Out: {"hour": 2, "minute": 10}
